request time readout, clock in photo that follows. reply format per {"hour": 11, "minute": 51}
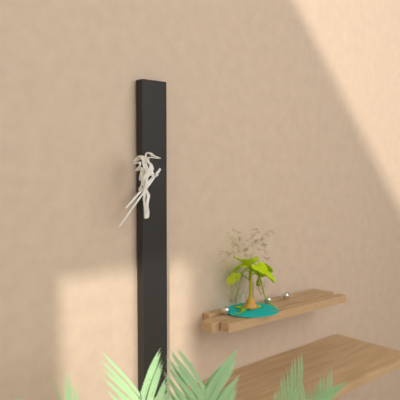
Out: {"hour": 7, "minute": 37}
